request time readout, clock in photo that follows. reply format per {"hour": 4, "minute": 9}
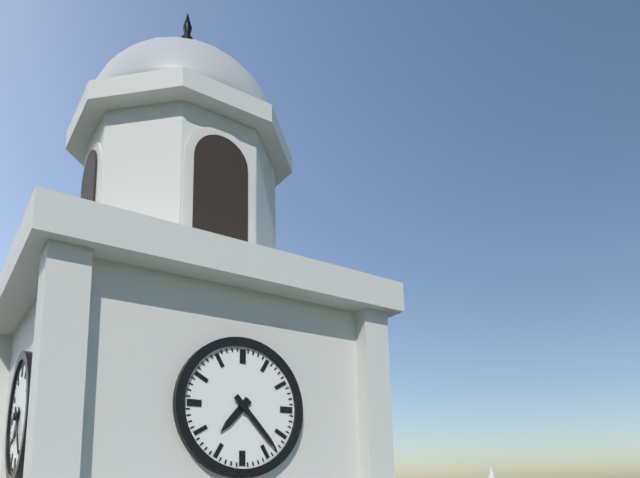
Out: {"hour": 7, "minute": 23}
